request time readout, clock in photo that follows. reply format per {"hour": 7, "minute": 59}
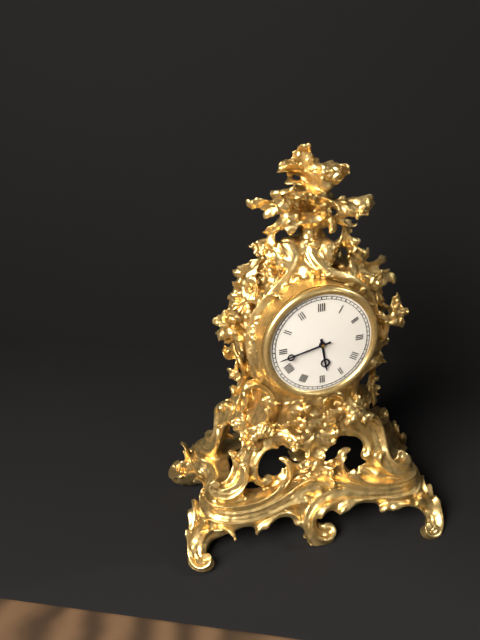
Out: {"hour": 5, "minute": 43}
